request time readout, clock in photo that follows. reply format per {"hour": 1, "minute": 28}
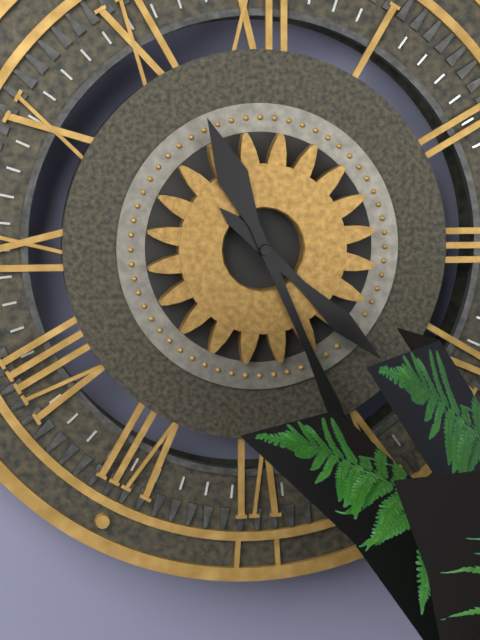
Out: {"hour": 4, "minute": 26}
